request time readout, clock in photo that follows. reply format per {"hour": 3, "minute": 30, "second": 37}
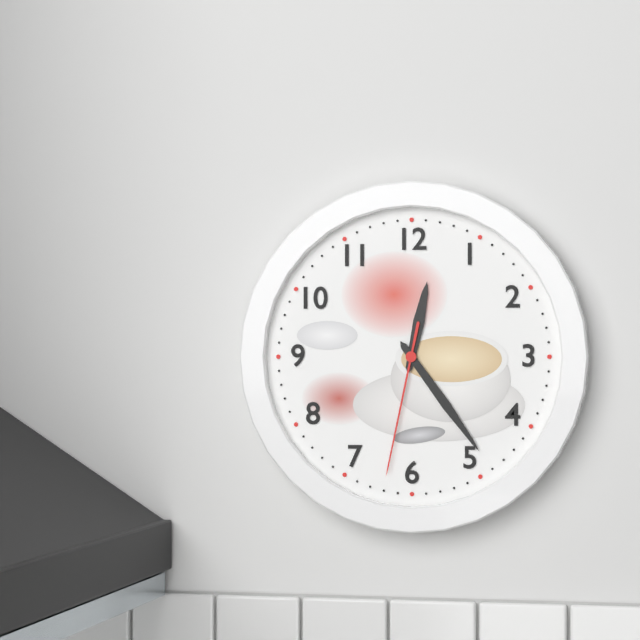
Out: {"hour": 12, "minute": 24, "second": 32}
